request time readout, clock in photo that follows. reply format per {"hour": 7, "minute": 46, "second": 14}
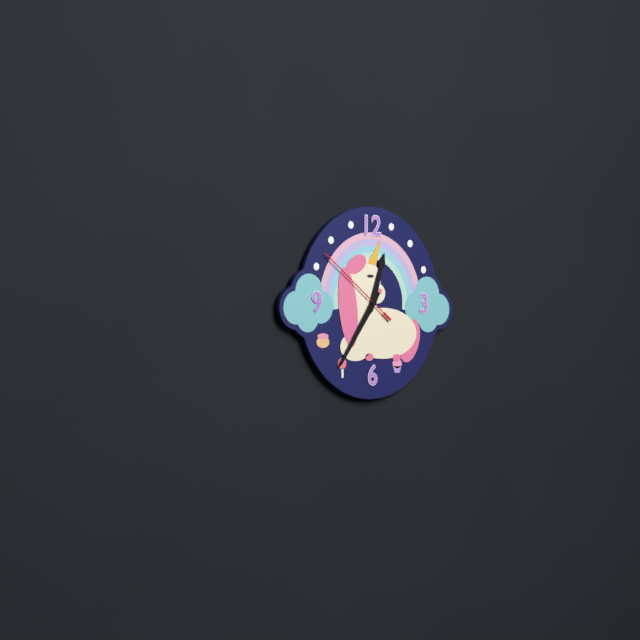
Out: {"hour": 12, "minute": 36, "second": 51}
